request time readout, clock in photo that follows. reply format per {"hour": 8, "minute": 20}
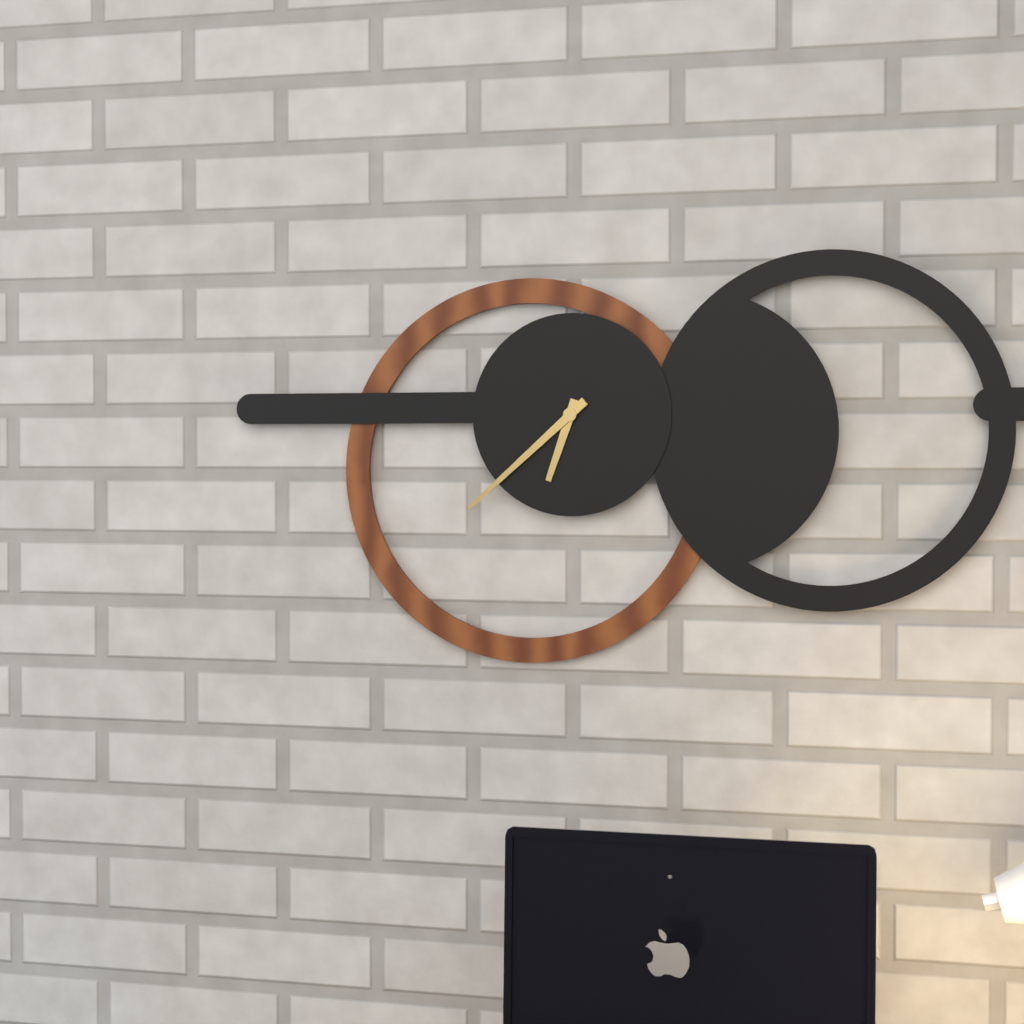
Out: {"hour": 6, "minute": 38}
